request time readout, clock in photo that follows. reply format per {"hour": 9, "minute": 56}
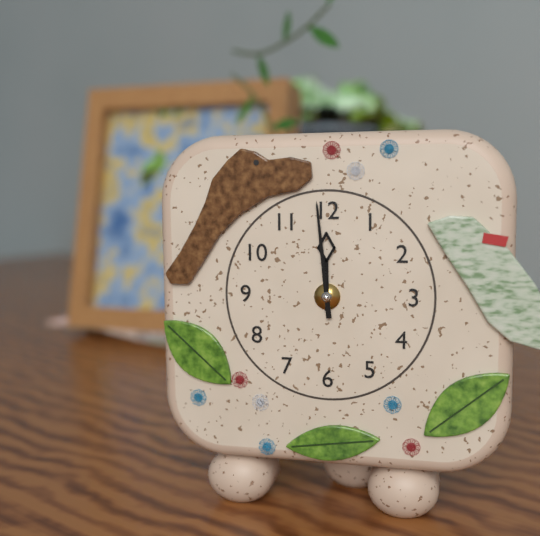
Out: {"hour": 11, "minute": 59}
